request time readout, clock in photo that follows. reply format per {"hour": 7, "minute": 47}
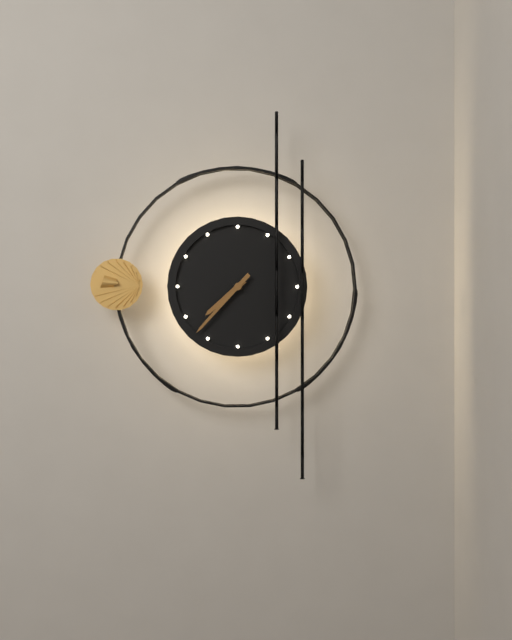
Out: {"hour": 7, "minute": 37}
